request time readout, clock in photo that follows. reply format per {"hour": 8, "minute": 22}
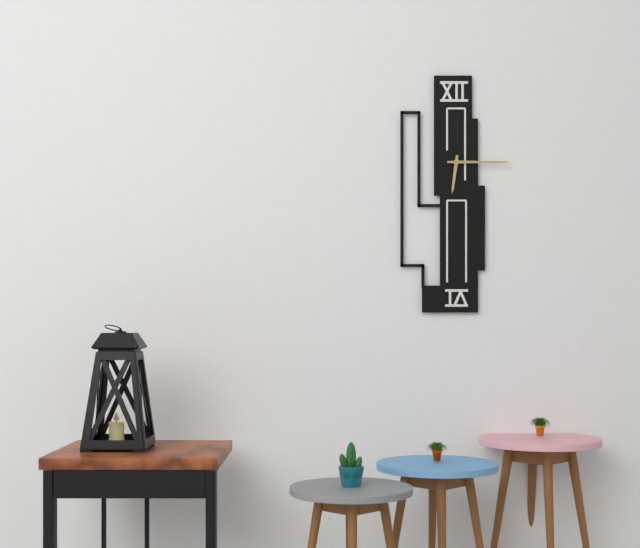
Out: {"hour": 6, "minute": 15}
